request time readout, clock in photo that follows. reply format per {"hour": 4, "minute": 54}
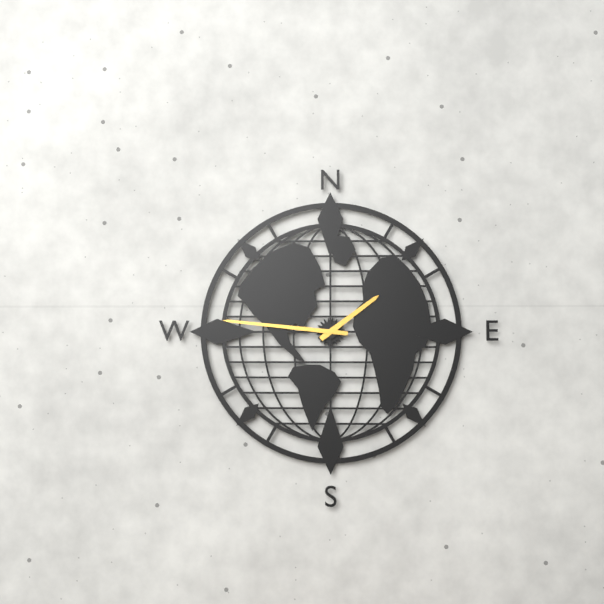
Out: {"hour": 1, "minute": 46}
